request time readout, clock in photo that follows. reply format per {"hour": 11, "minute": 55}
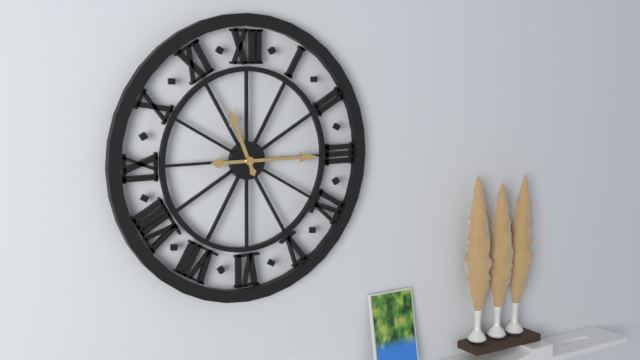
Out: {"hour": 11, "minute": 15}
